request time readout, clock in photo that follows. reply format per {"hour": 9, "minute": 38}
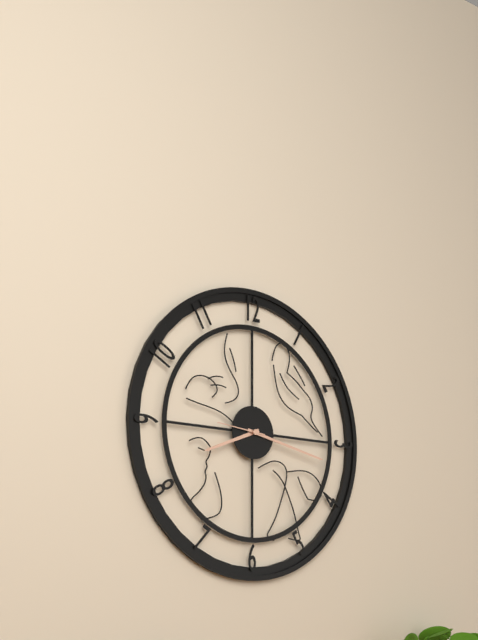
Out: {"hour": 8, "minute": 17}
